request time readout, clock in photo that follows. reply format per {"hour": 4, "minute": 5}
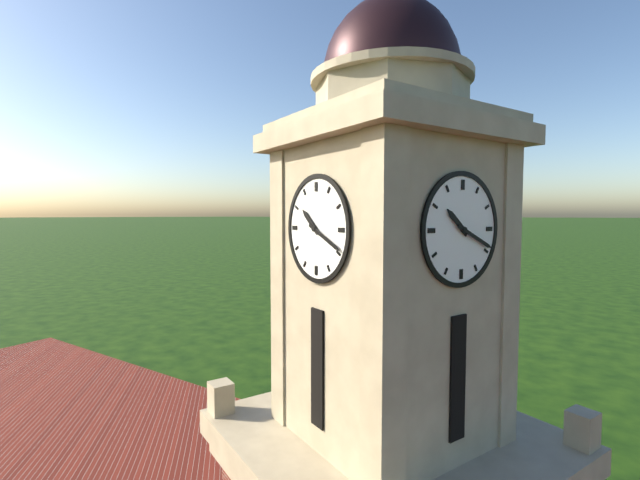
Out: {"hour": 10, "minute": 19}
